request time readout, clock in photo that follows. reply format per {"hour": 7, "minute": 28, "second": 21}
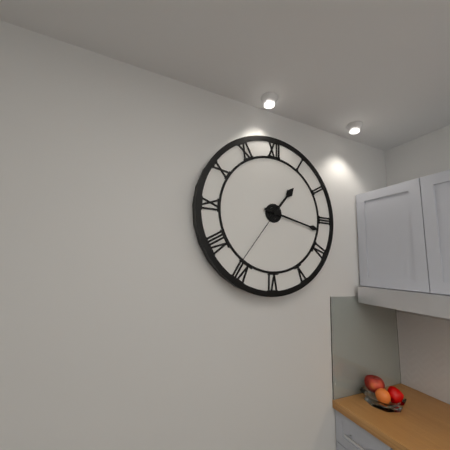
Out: {"hour": 1, "minute": 17, "second": 36}
